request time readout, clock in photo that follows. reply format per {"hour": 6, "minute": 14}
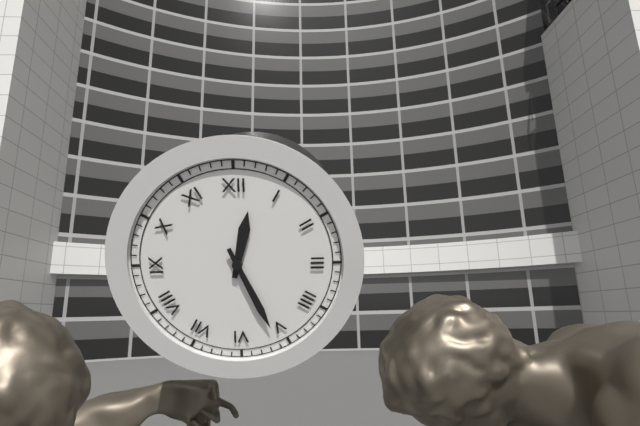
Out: {"hour": 12, "minute": 26}
